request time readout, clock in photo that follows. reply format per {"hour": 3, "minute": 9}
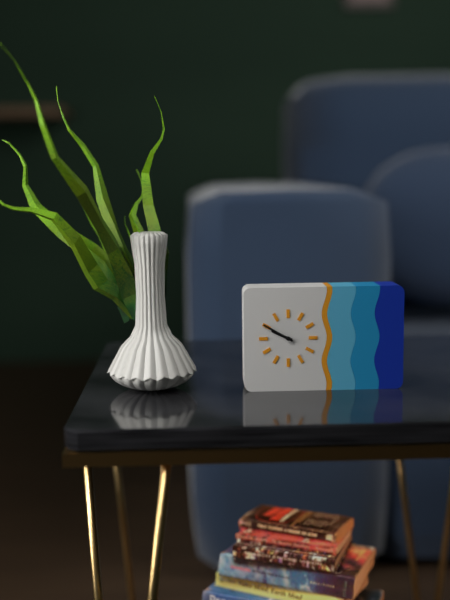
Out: {"hour": 9, "minute": 50}
